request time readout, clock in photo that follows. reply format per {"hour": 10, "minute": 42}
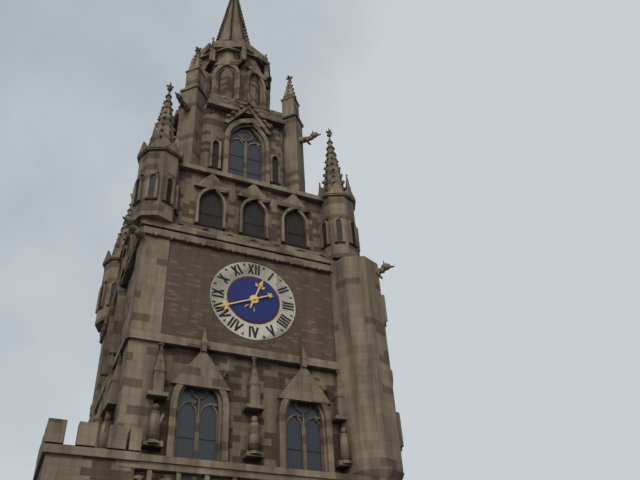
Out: {"hour": 12, "minute": 41}
